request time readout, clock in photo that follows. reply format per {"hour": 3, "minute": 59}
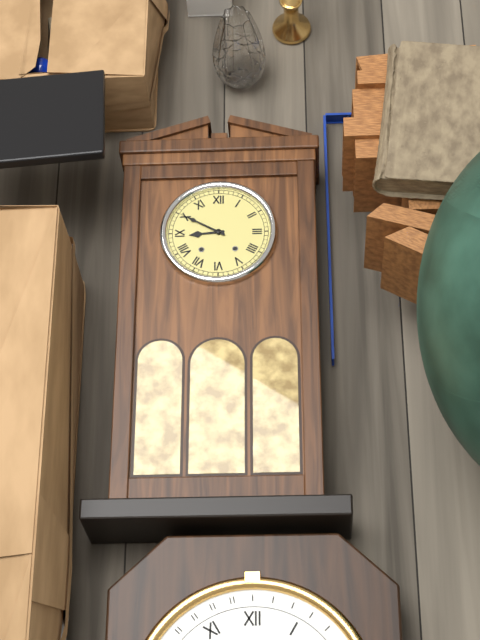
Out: {"hour": 8, "minute": 50}
